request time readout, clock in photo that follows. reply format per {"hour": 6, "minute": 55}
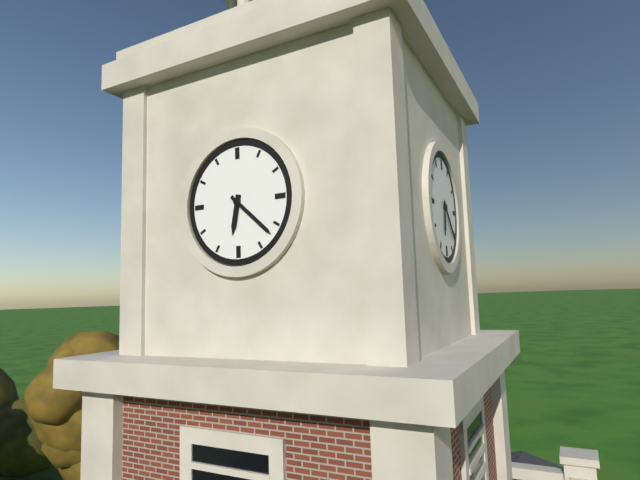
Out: {"hour": 6, "minute": 22}
